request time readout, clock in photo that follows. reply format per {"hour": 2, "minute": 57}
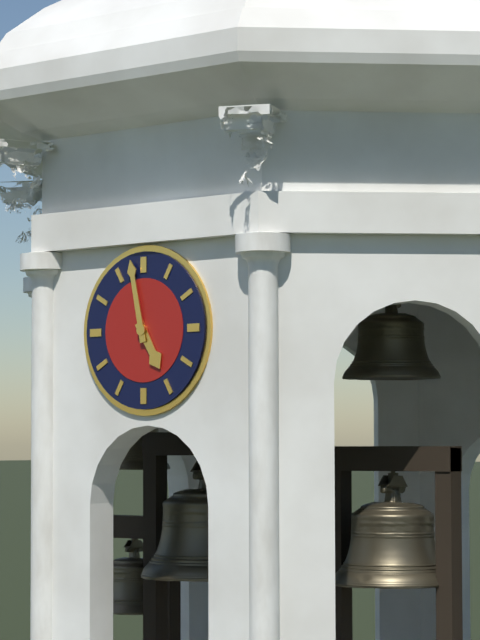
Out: {"hour": 4, "minute": 58}
